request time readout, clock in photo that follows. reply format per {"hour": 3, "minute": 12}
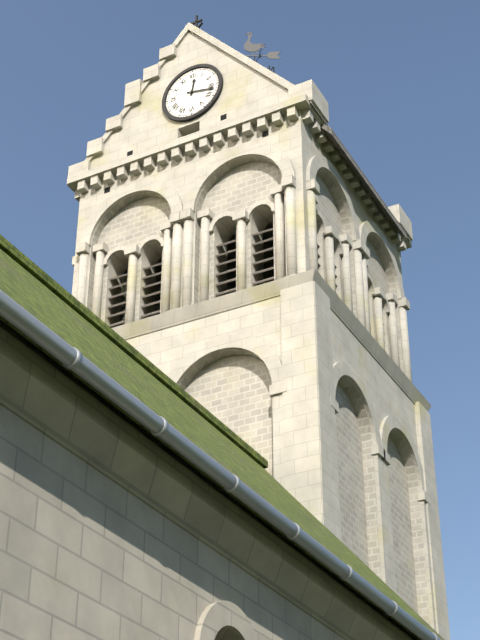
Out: {"hour": 12, "minute": 17}
